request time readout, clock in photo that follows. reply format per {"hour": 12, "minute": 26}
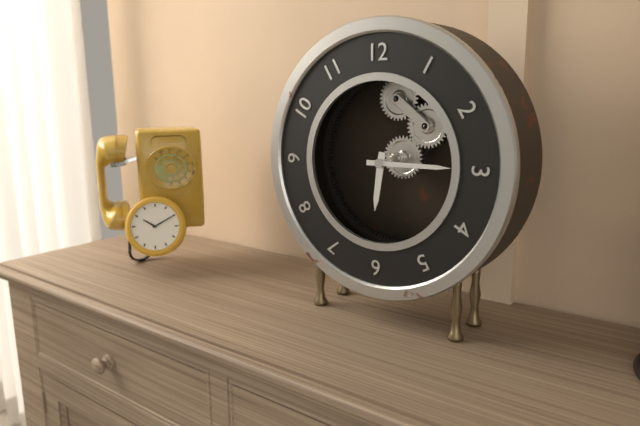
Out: {"hour": 6, "minute": 15}
